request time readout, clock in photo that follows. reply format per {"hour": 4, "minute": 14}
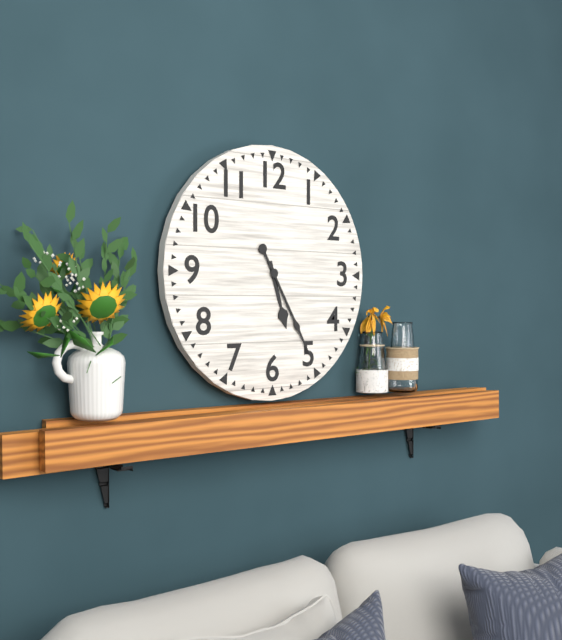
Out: {"hour": 5, "minute": 25}
